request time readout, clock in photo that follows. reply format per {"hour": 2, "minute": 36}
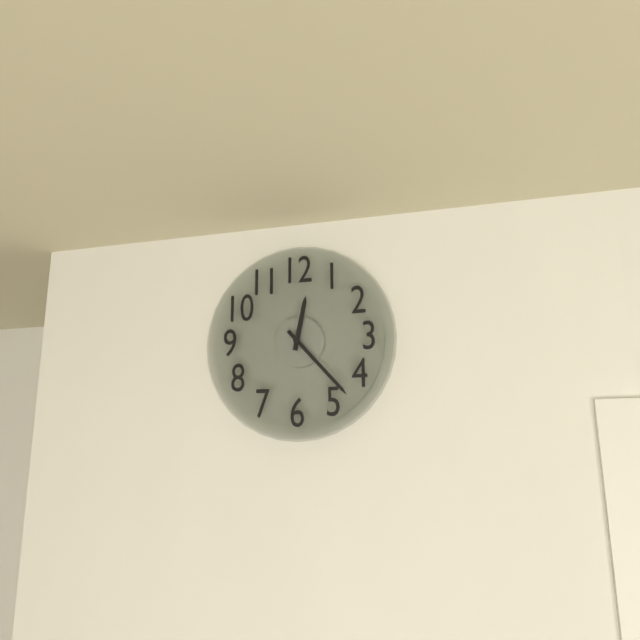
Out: {"hour": 12, "minute": 23}
